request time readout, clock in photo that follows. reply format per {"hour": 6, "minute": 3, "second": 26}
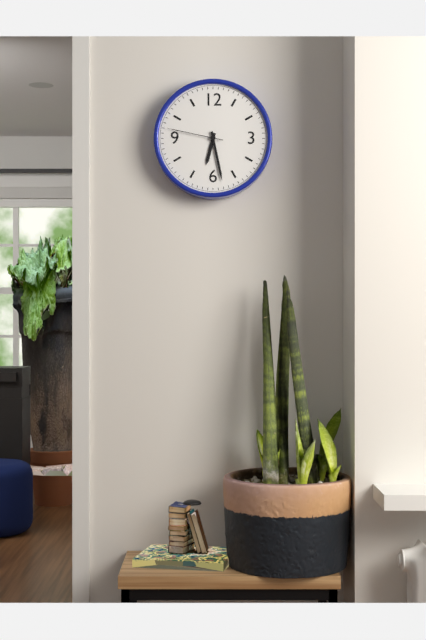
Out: {"hour": 6, "minute": 28, "second": 47}
